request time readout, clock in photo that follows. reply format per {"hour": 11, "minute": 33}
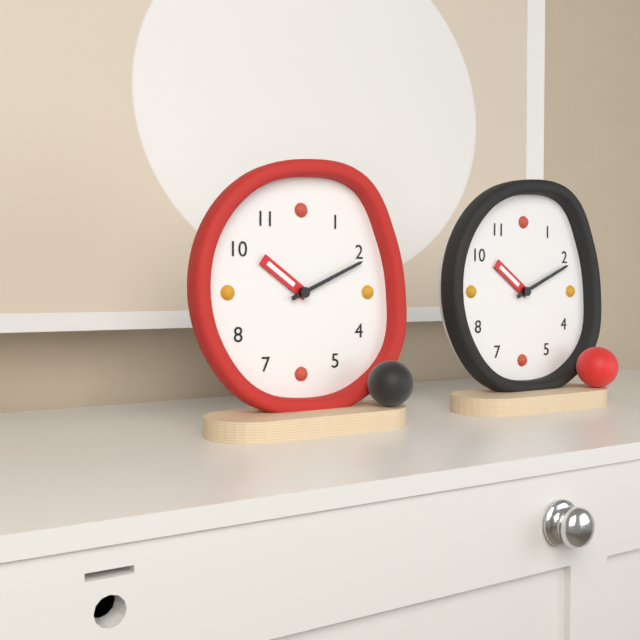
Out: {"hour": 10, "minute": 11}
